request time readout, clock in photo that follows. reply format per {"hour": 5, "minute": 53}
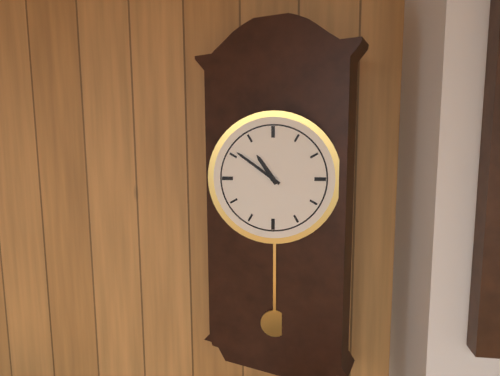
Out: {"hour": 10, "minute": 51}
